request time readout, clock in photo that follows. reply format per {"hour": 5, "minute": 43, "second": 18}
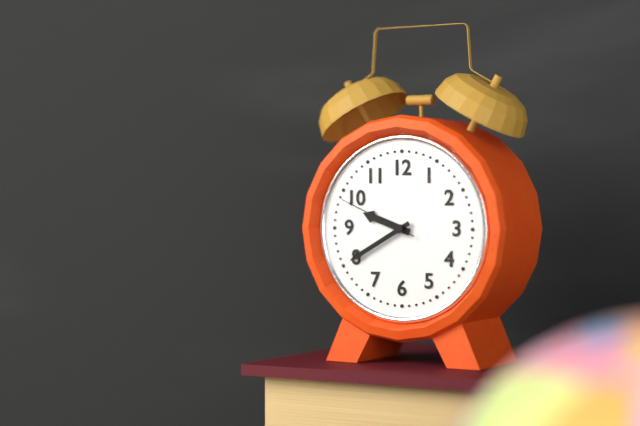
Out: {"hour": 9, "minute": 40, "second": 49}
